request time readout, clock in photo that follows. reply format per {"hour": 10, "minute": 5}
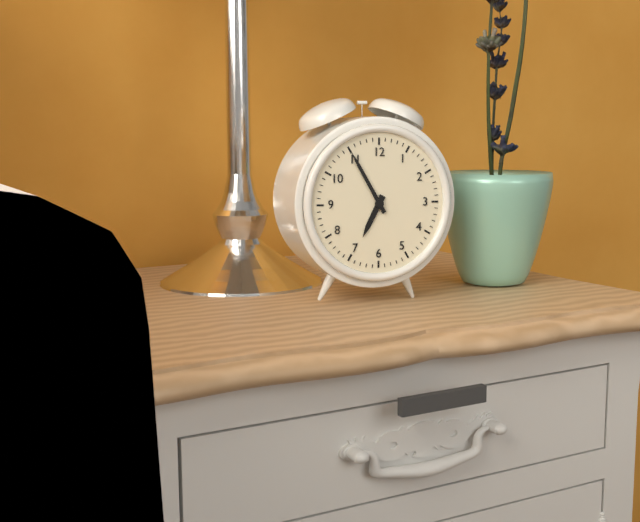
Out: {"hour": 6, "minute": 55}
